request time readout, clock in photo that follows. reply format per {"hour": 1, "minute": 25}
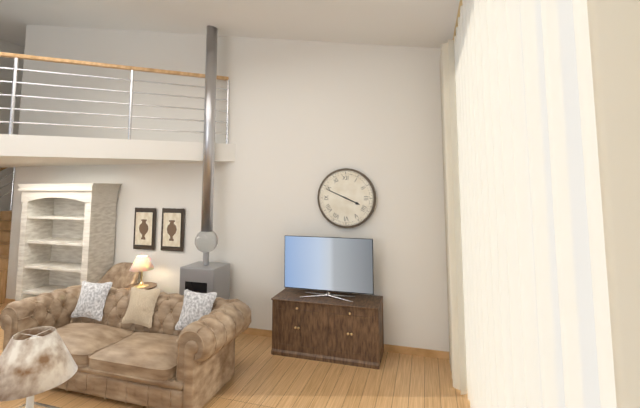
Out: {"hour": 3, "minute": 49}
